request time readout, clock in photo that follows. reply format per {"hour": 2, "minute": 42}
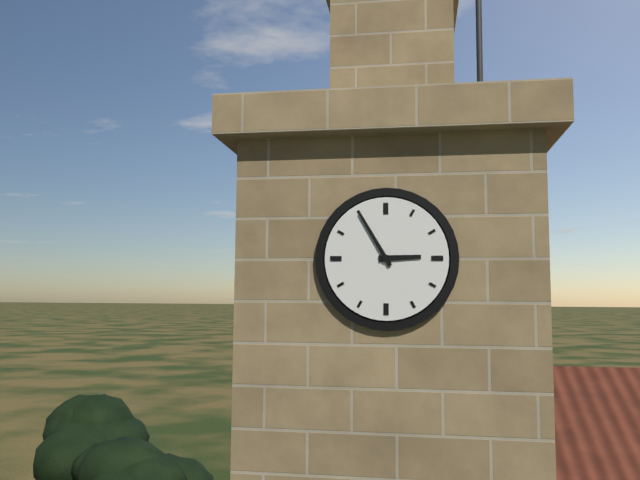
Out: {"hour": 2, "minute": 55}
